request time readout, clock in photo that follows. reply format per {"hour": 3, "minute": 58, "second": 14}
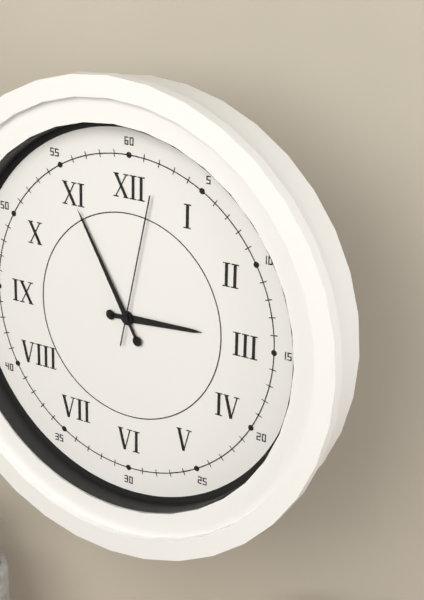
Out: {"hour": 2, "minute": 55, "second": 2}
